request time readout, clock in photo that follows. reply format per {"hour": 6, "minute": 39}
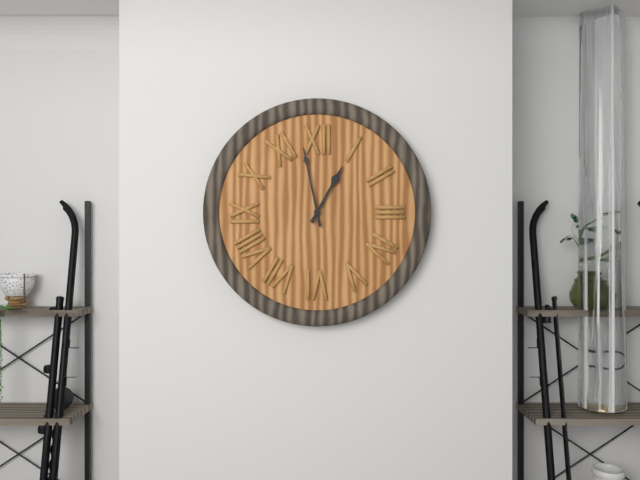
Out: {"hour": 12, "minute": 58}
